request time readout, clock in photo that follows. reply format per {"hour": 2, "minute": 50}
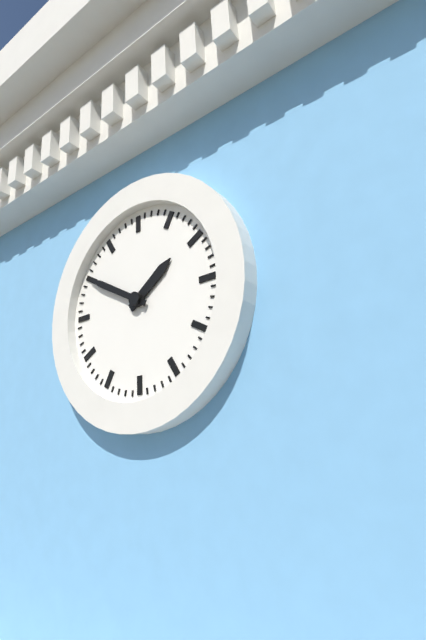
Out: {"hour": 1, "minute": 50}
